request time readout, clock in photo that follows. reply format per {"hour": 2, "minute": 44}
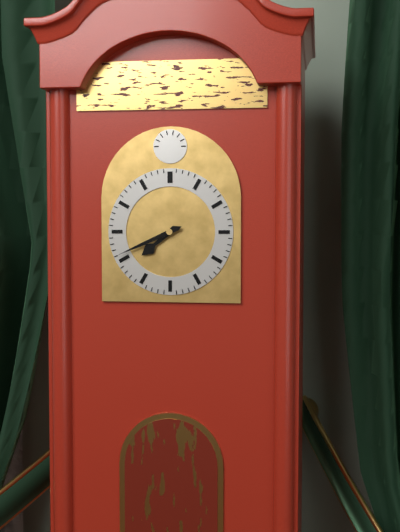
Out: {"hour": 7, "minute": 41}
